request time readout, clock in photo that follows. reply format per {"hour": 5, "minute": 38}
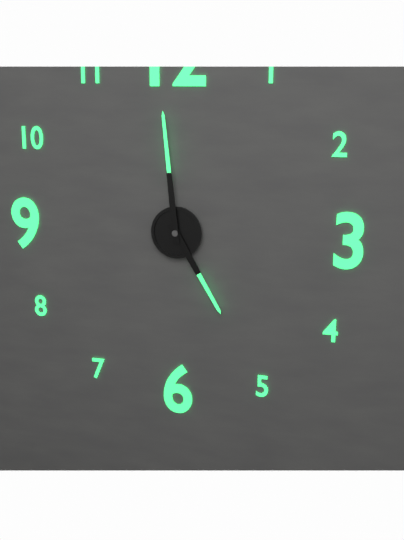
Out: {"hour": 4, "minute": 59}
